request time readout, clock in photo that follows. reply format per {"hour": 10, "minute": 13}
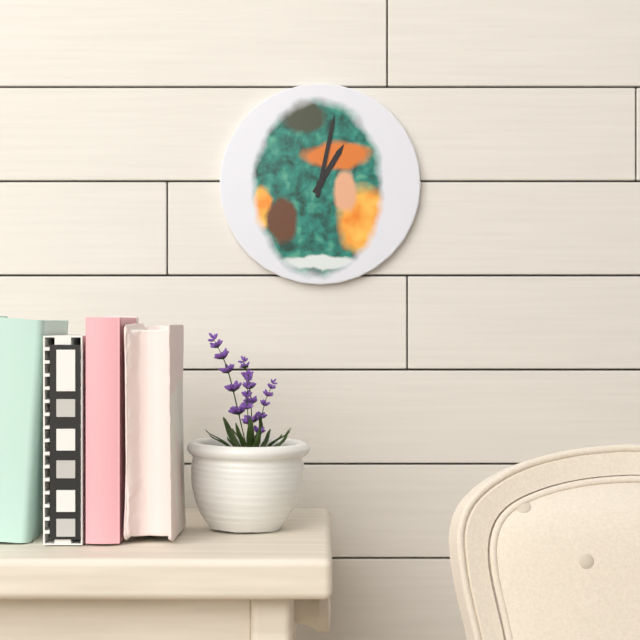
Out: {"hour": 1, "minute": 2}
